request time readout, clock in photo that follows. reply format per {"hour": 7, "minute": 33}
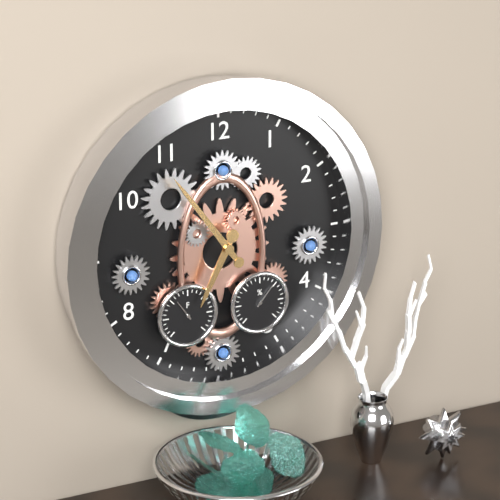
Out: {"hour": 6, "minute": 54}
